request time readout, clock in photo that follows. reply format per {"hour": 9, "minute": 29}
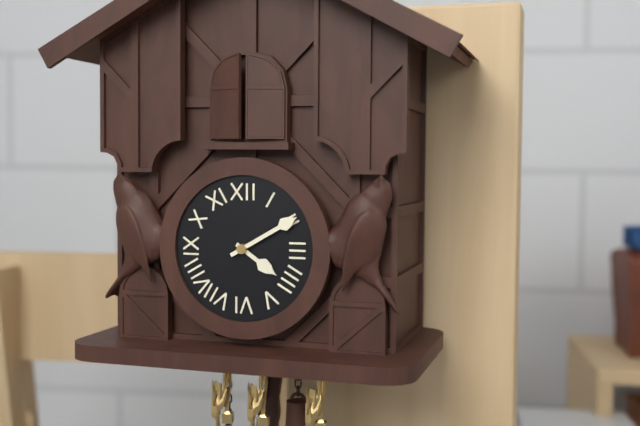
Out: {"hour": 4, "minute": 10}
